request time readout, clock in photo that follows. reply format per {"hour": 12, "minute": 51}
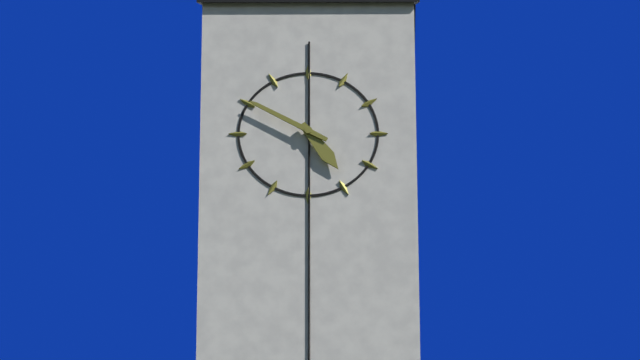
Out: {"hour": 4, "minute": 50}
